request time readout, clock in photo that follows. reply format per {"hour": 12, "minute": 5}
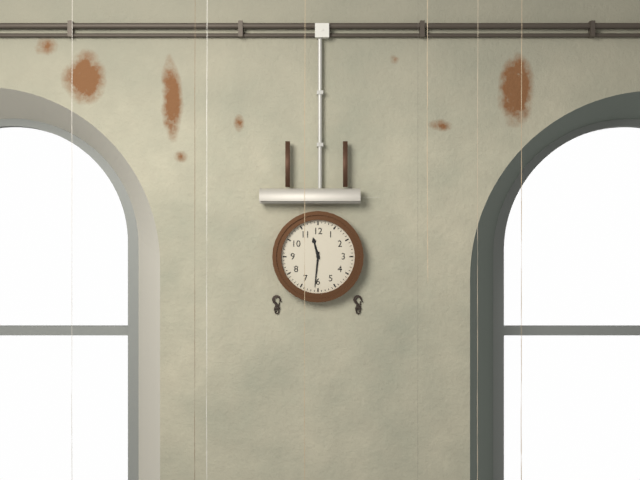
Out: {"hour": 11, "minute": 31}
